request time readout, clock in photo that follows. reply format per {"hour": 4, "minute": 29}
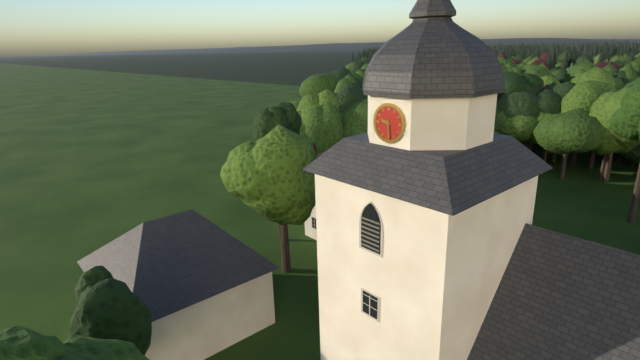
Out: {"hour": 9, "minute": 29}
